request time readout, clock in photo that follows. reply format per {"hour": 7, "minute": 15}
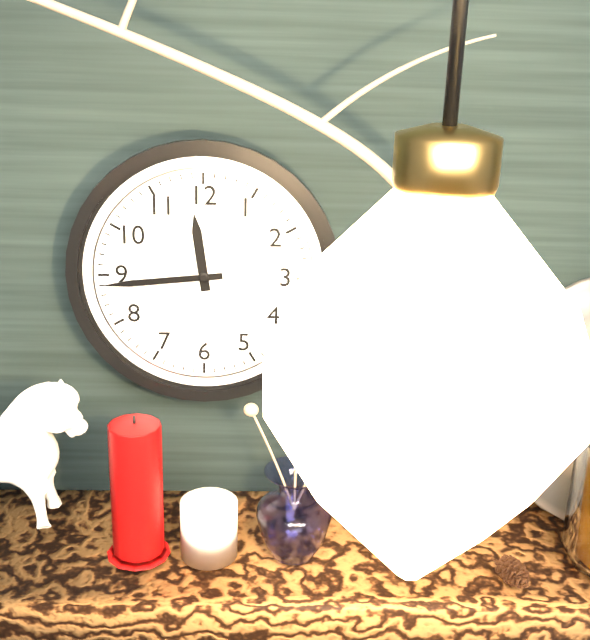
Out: {"hour": 11, "minute": 44}
